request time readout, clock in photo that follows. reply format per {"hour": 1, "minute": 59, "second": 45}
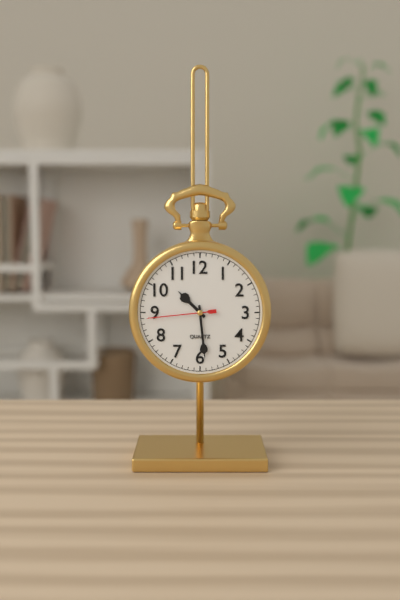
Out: {"hour": 10, "minute": 29, "second": 44}
